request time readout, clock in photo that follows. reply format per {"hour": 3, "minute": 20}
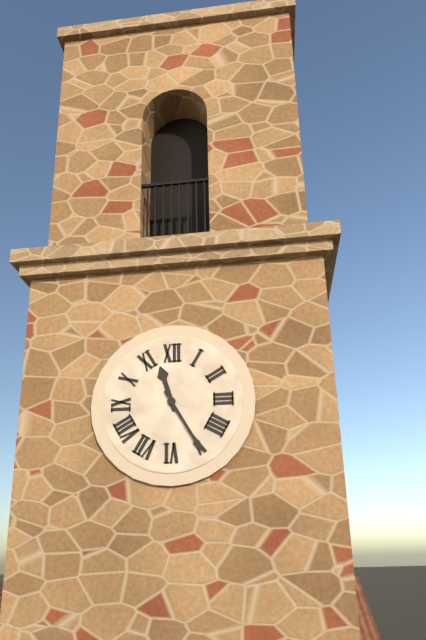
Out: {"hour": 11, "minute": 25}
